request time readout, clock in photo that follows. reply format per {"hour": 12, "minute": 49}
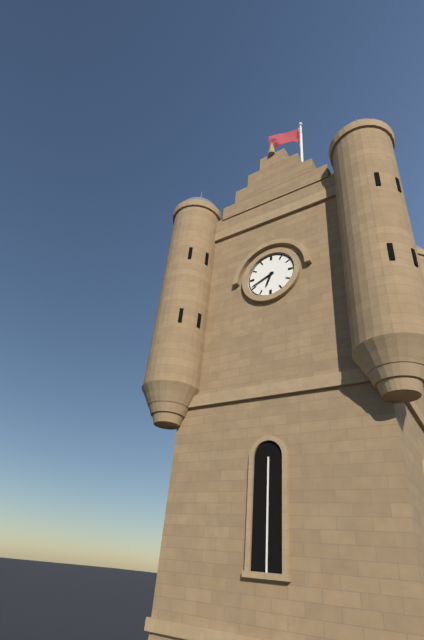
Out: {"hour": 6, "minute": 41}
